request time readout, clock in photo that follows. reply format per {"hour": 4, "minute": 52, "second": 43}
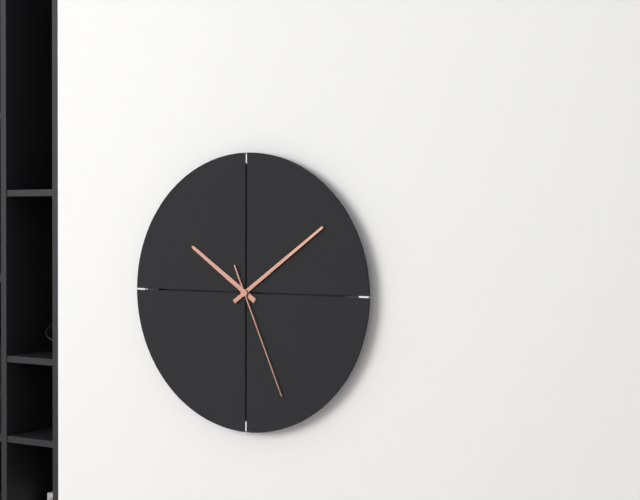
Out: {"hour": 10, "minute": 9, "second": 26}
